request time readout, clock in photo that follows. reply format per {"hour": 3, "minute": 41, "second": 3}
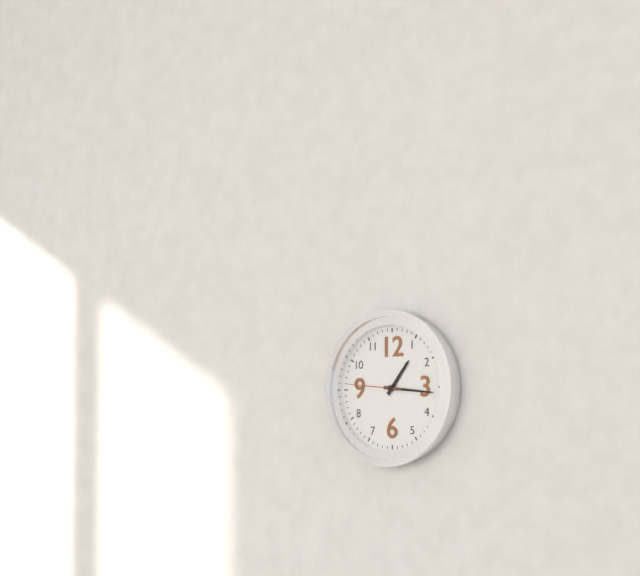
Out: {"hour": 1, "minute": 16, "second": 46}
